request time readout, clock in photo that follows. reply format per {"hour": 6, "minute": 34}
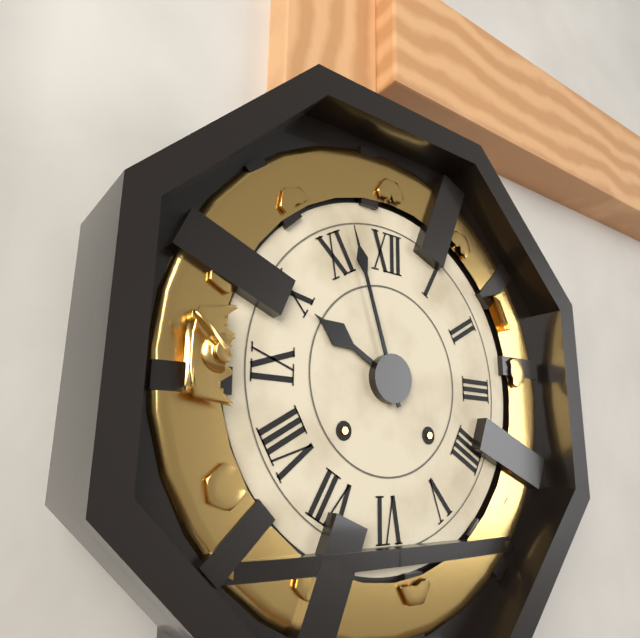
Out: {"hour": 9, "minute": 57}
